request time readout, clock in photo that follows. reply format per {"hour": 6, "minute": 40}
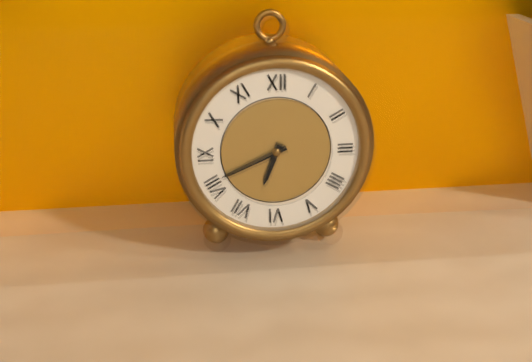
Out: {"hour": 6, "minute": 41}
